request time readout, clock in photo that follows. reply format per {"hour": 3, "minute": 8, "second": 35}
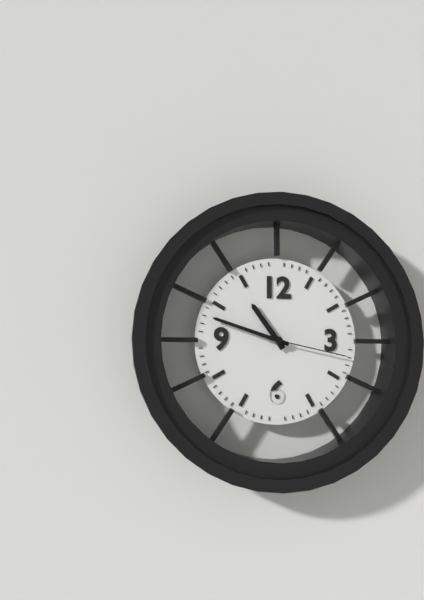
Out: {"hour": 10, "minute": 48, "second": 17}
